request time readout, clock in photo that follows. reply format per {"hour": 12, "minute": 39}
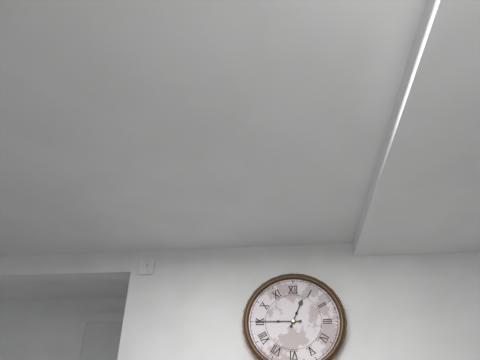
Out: {"hour": 12, "minute": 45}
